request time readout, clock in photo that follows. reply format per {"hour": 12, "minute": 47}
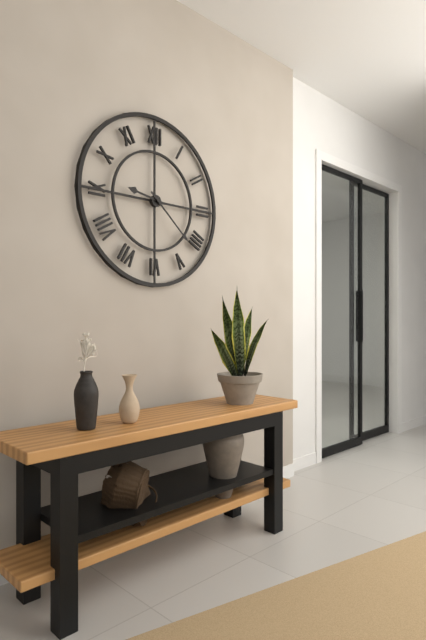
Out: {"hour": 9, "minute": 22}
